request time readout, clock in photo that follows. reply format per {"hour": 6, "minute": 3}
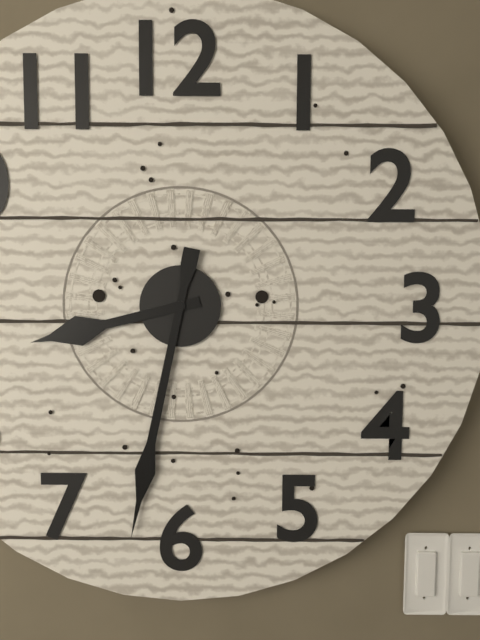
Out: {"hour": 8, "minute": 32}
